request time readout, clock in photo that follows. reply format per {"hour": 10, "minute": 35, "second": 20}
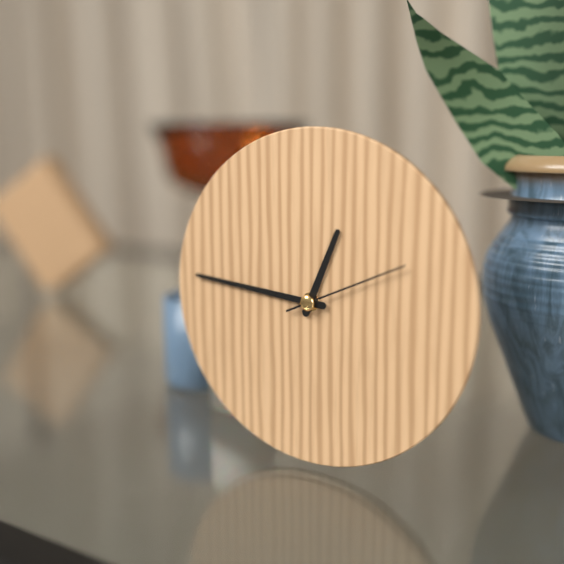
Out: {"hour": 12, "minute": 46, "second": 11}
